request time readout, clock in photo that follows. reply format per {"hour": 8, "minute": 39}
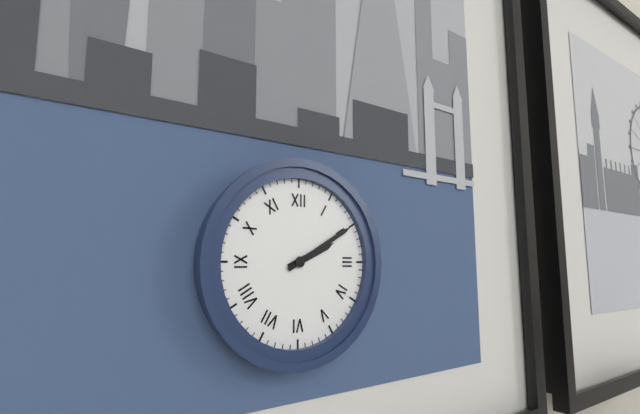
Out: {"hour": 2, "minute": 10}
